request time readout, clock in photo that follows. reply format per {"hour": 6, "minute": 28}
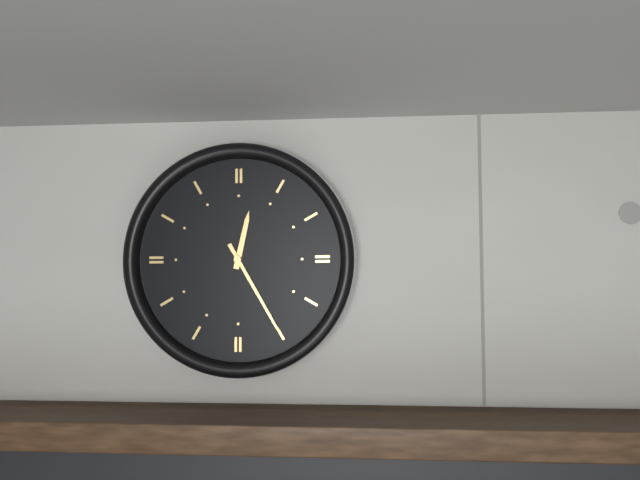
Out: {"hour": 12, "minute": 25}
